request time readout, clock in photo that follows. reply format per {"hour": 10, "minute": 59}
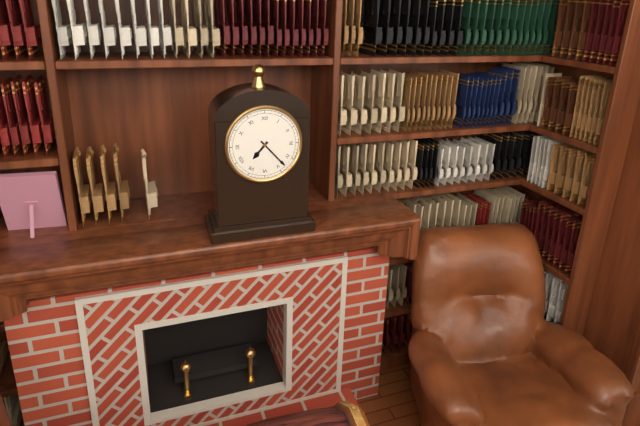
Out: {"hour": 7, "minute": 23}
